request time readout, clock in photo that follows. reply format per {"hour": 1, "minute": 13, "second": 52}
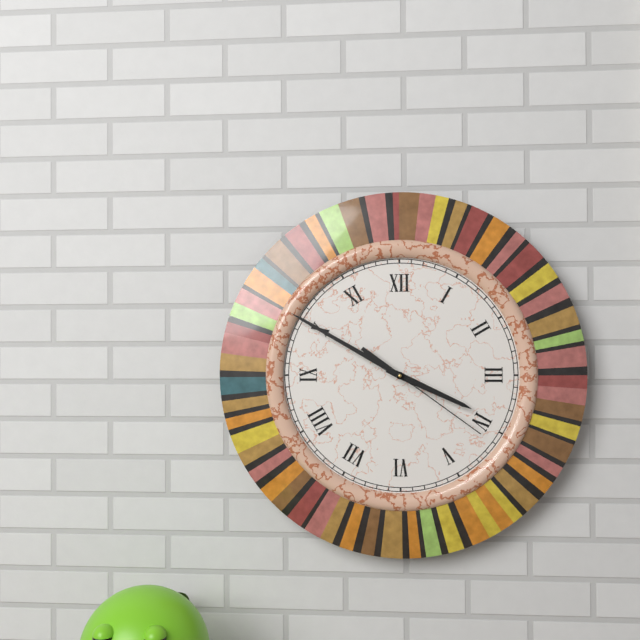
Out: {"hour": 3, "minute": 50, "second": 21}
